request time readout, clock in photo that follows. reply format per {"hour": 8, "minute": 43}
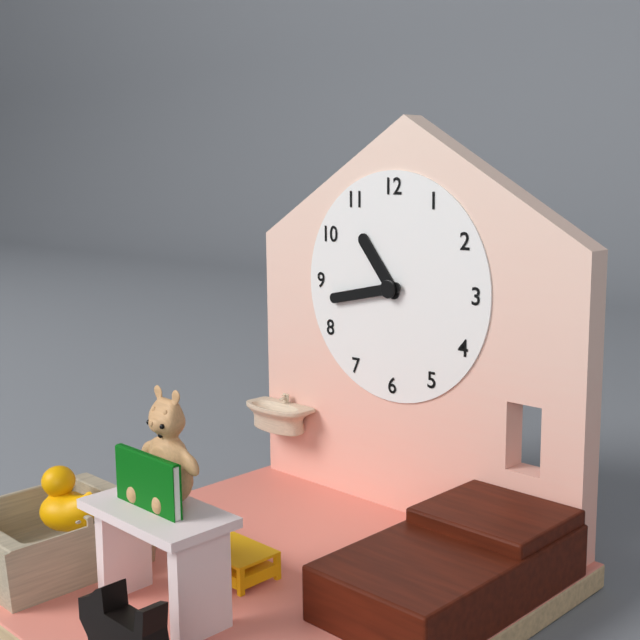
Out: {"hour": 10, "minute": 43}
